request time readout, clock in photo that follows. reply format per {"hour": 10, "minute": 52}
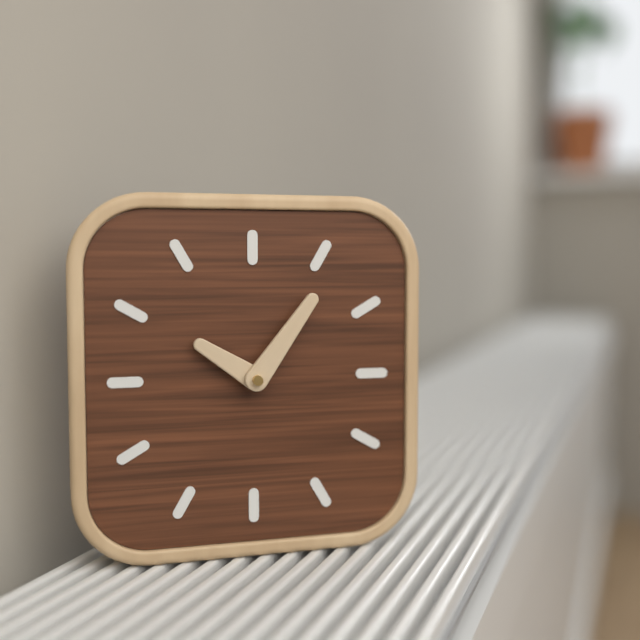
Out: {"hour": 10, "minute": 6}
